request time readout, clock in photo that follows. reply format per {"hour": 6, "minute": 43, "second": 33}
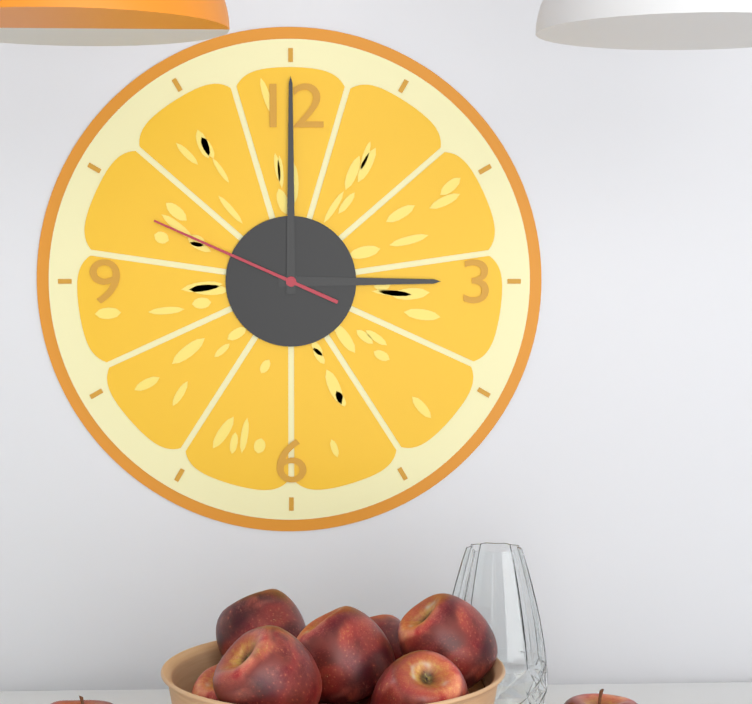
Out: {"hour": 3, "minute": 0, "second": 49}
